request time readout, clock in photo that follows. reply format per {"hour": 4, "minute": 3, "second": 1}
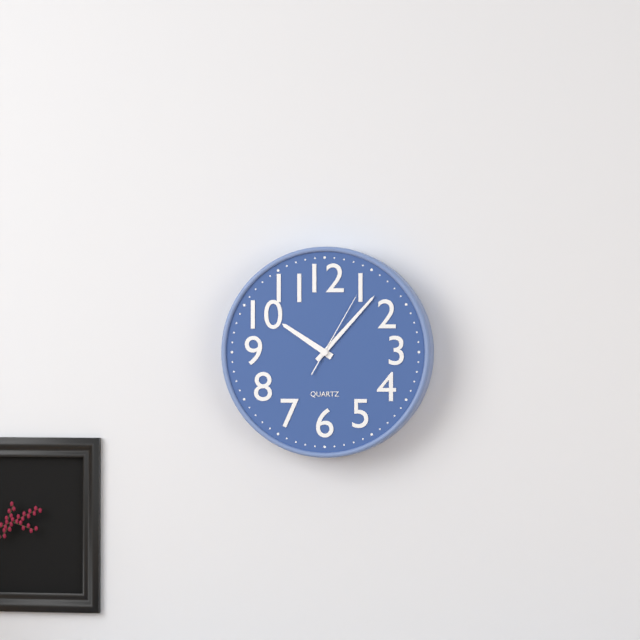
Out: {"hour": 10, "minute": 7, "second": 5}
